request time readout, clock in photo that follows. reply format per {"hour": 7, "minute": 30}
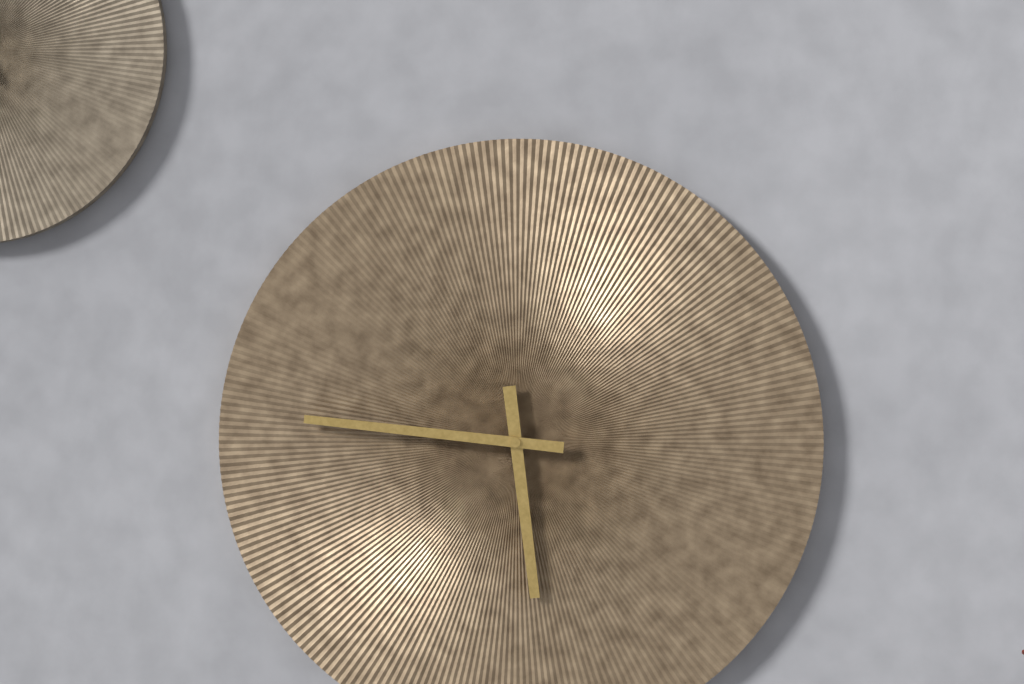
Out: {"hour": 5, "minute": 46}
